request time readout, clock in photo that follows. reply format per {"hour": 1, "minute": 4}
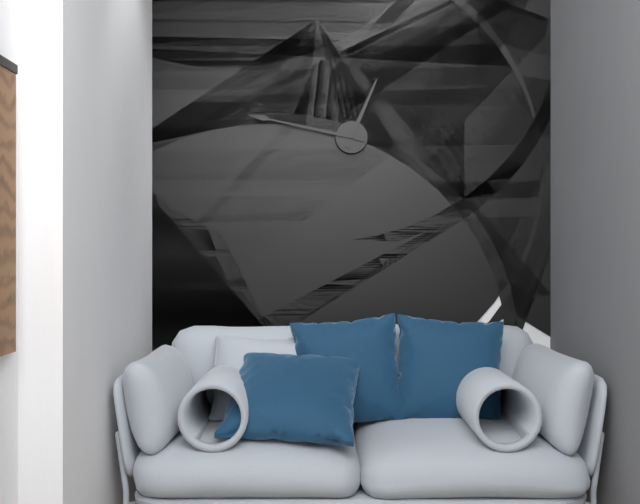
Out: {"hour": 12, "minute": 47}
